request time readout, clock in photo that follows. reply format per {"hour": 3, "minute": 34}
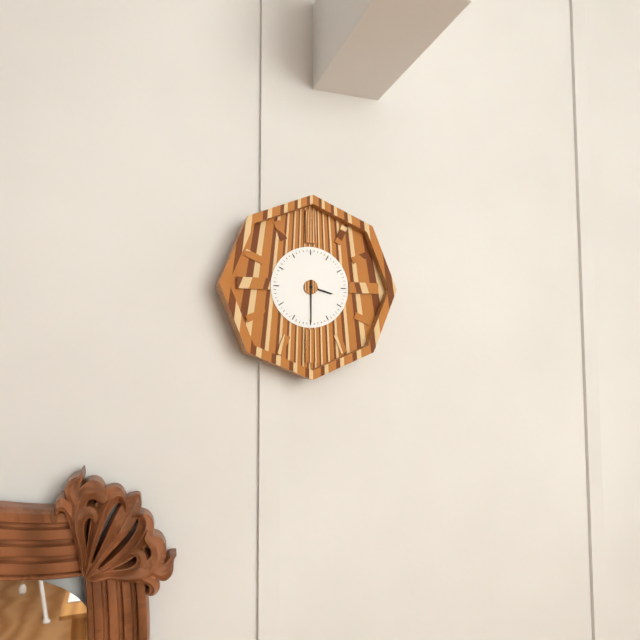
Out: {"hour": 3, "minute": 30}
